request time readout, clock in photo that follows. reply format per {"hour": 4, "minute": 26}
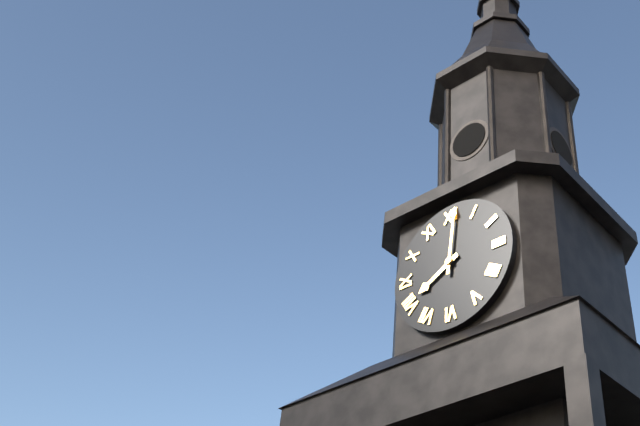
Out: {"hour": 8, "minute": 1}
